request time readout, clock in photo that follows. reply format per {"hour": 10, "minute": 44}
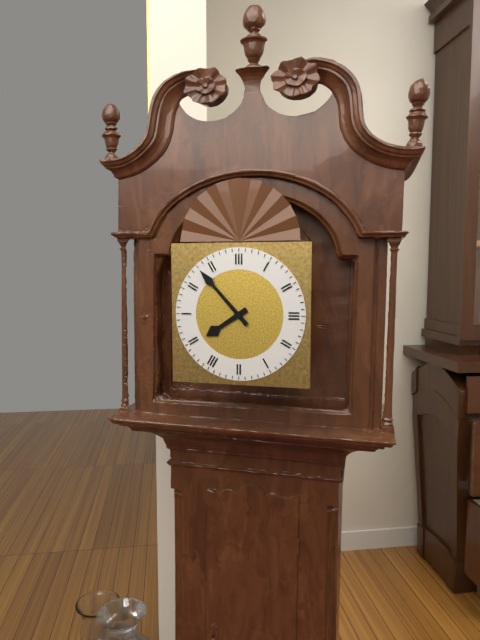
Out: {"hour": 7, "minute": 53}
